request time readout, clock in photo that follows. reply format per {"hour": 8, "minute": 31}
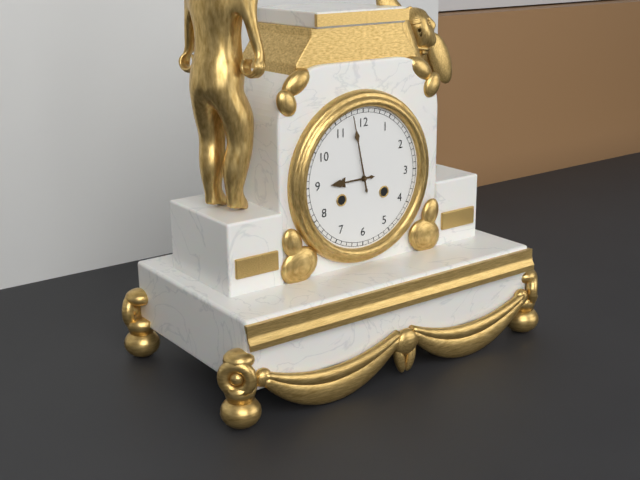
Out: {"hour": 8, "minute": 58}
